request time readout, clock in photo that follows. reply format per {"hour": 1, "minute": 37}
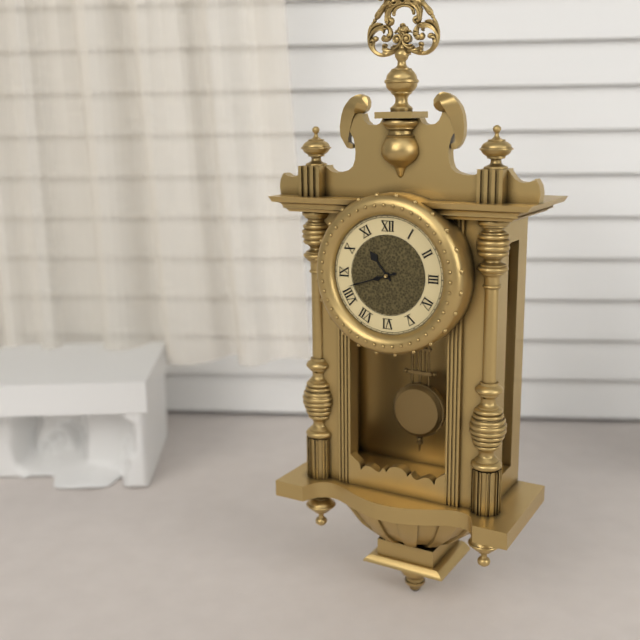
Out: {"hour": 10, "minute": 42}
